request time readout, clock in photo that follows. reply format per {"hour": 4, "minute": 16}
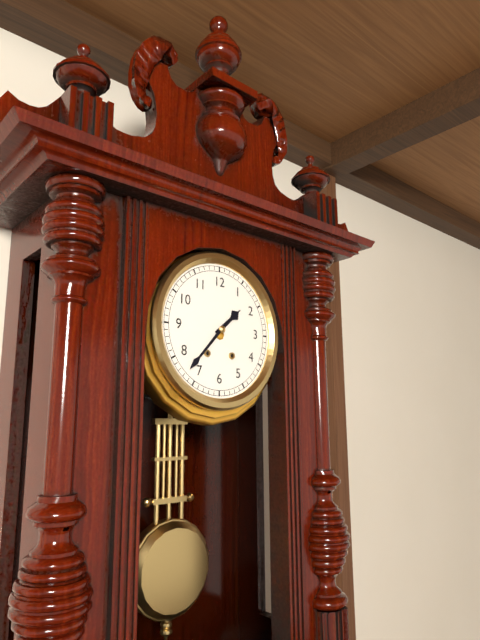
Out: {"hour": 1, "minute": 37}
